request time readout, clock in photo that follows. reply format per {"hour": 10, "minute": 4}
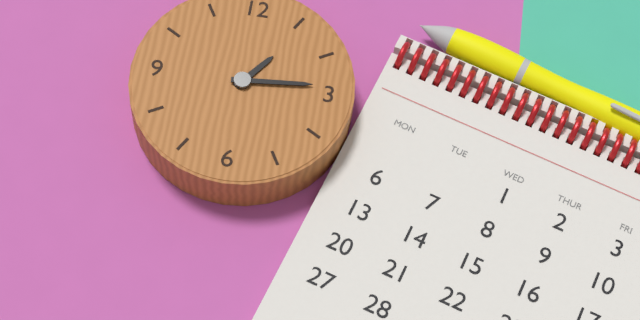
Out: {"hour": 1, "minute": 14}
